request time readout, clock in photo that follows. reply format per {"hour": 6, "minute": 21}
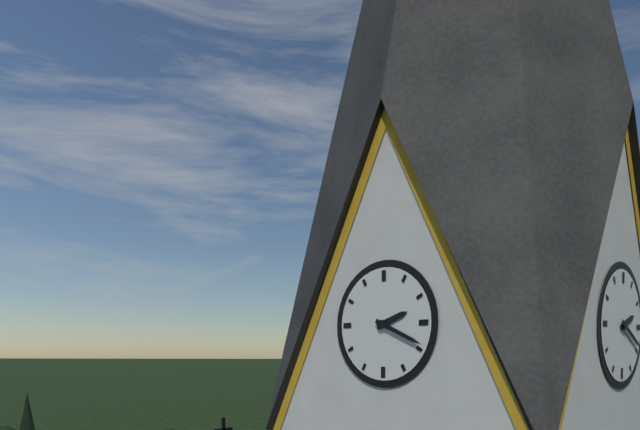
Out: {"hour": 2, "minute": 19}
